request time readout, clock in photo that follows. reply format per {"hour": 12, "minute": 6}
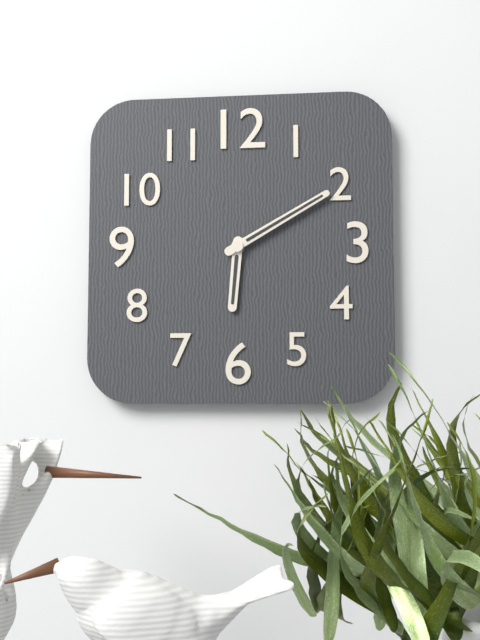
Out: {"hour": 6, "minute": 10}
